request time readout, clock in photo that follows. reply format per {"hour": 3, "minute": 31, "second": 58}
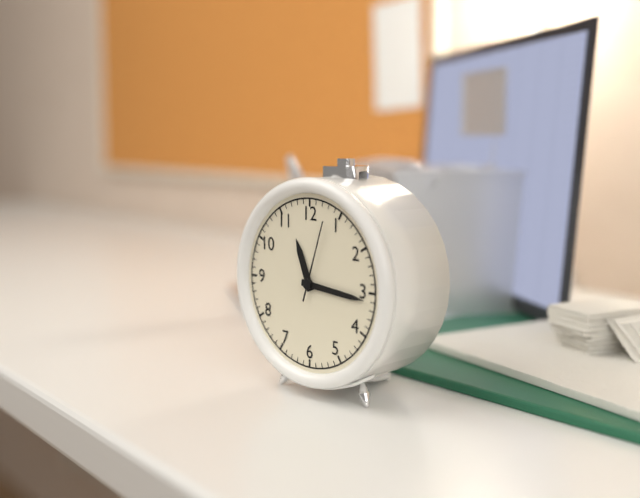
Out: {"hour": 11, "minute": 16, "second": 3}
